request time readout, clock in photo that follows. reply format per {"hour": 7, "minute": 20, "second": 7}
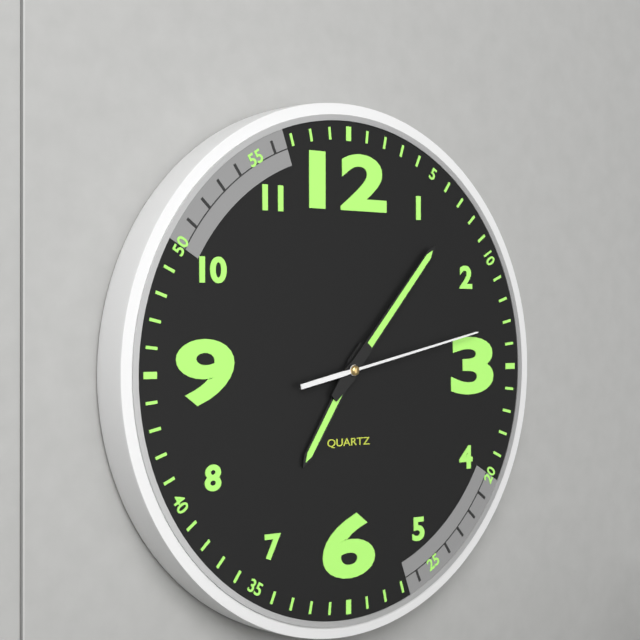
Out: {"hour": 7, "minute": 7, "second": 13}
